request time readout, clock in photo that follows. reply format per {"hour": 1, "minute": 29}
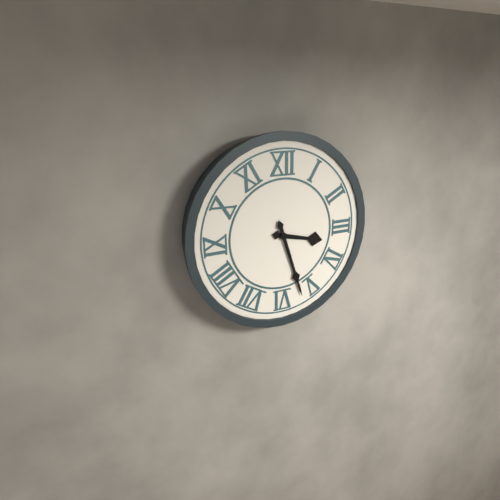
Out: {"hour": 3, "minute": 27}
